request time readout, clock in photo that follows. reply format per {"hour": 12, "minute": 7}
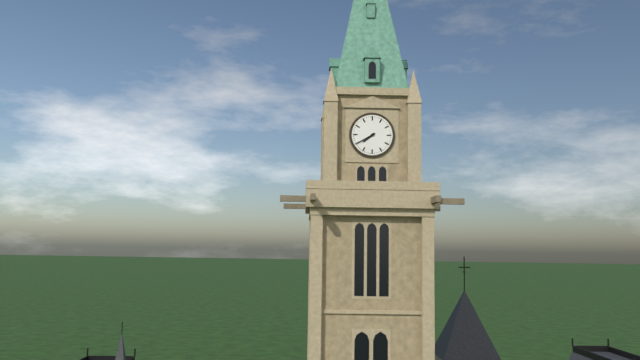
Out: {"hour": 7, "minute": 40}
